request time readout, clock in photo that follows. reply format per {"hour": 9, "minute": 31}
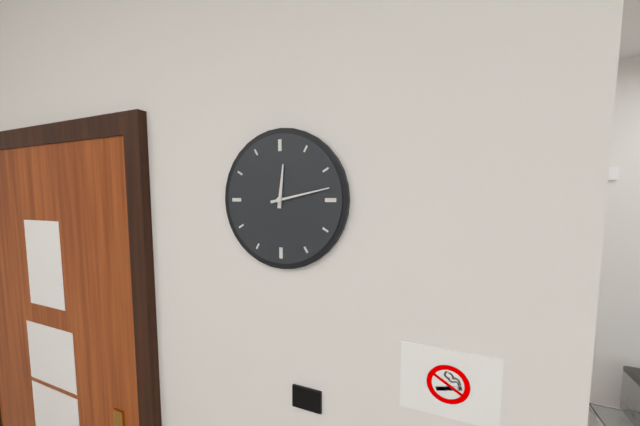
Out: {"hour": 12, "minute": 13}
